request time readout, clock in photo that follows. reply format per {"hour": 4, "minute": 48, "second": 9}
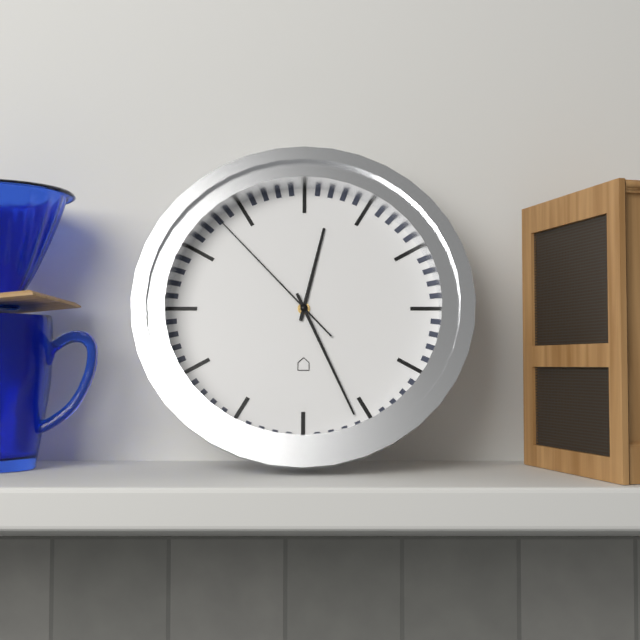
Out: {"hour": 12, "minute": 26, "second": 53}
